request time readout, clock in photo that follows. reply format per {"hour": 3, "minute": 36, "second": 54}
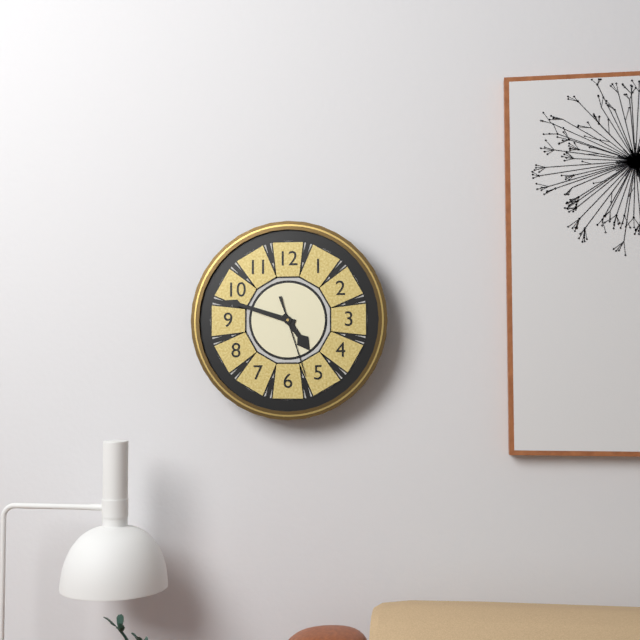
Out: {"hour": 4, "minute": 48, "second": 27}
